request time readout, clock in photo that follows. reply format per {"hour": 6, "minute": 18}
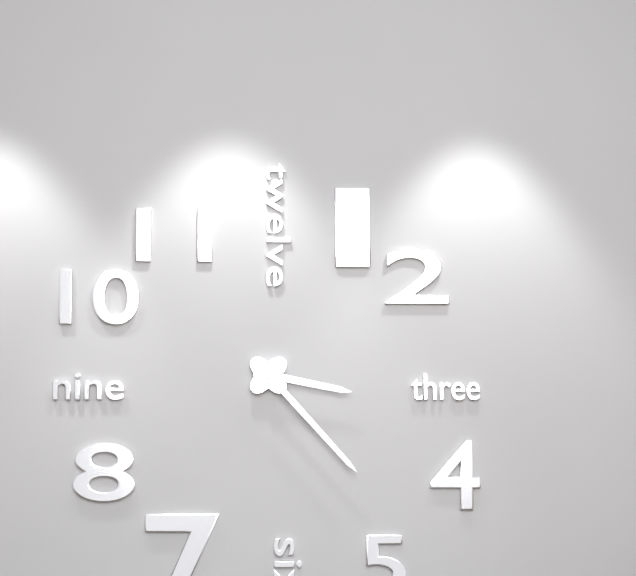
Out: {"hour": 3, "minute": 23}
